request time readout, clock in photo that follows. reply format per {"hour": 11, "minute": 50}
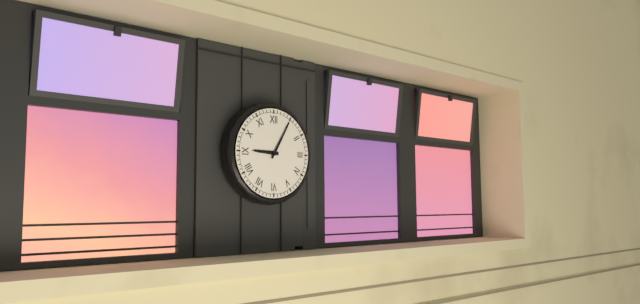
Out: {"hour": 9, "minute": 5}
